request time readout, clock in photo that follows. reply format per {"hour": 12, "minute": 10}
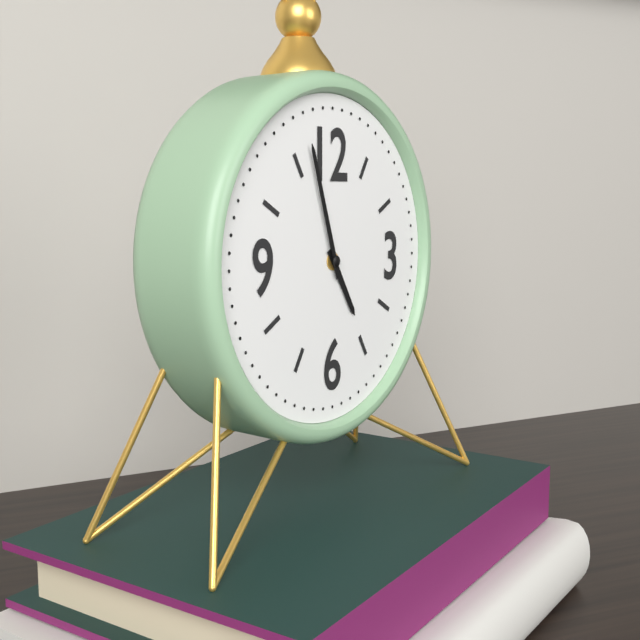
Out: {"hour": 4, "minute": 57}
